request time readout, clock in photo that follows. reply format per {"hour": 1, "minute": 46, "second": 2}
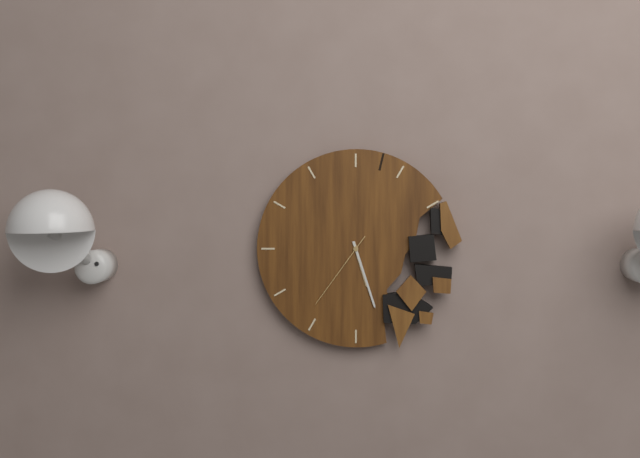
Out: {"hour": 5, "minute": 27, "second": 36}
